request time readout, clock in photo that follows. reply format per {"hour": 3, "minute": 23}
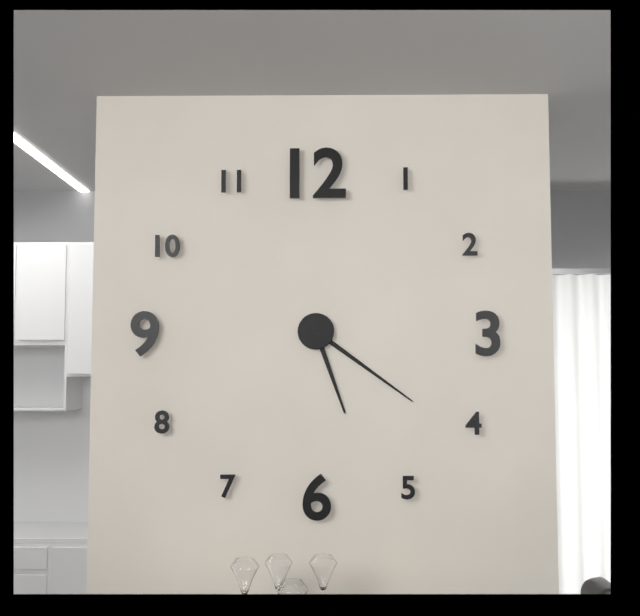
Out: {"hour": 5, "minute": 21}
